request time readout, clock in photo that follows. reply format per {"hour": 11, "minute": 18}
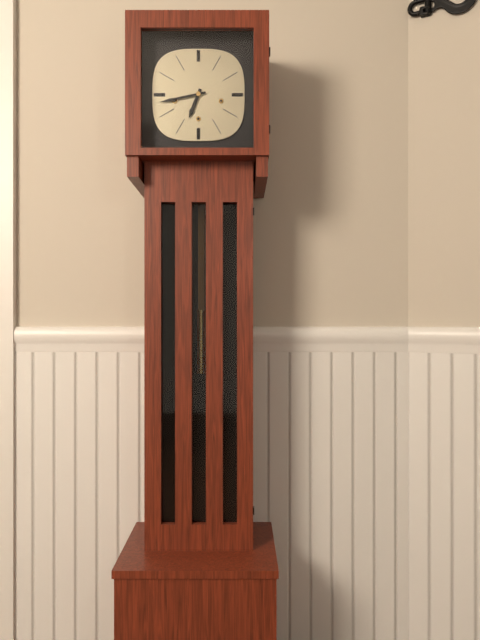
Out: {"hour": 6, "minute": 43}
